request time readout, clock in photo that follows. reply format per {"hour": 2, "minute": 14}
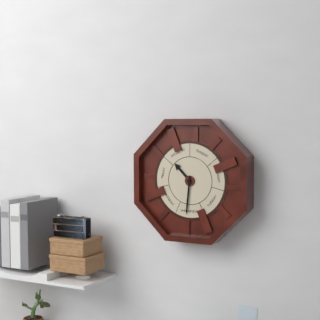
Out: {"hour": 10, "minute": 31}
